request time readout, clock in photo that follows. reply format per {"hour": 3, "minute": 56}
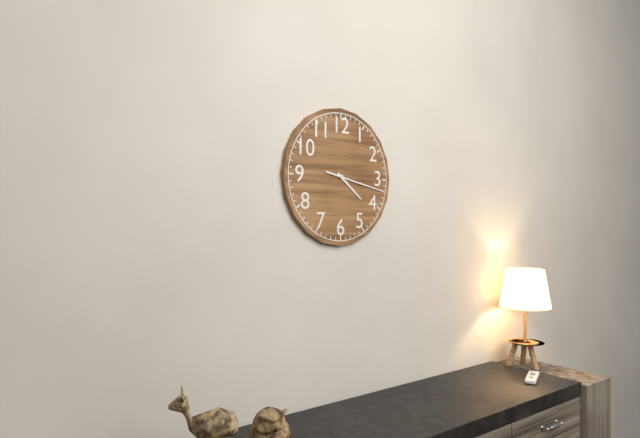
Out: {"hour": 4, "minute": 17}
